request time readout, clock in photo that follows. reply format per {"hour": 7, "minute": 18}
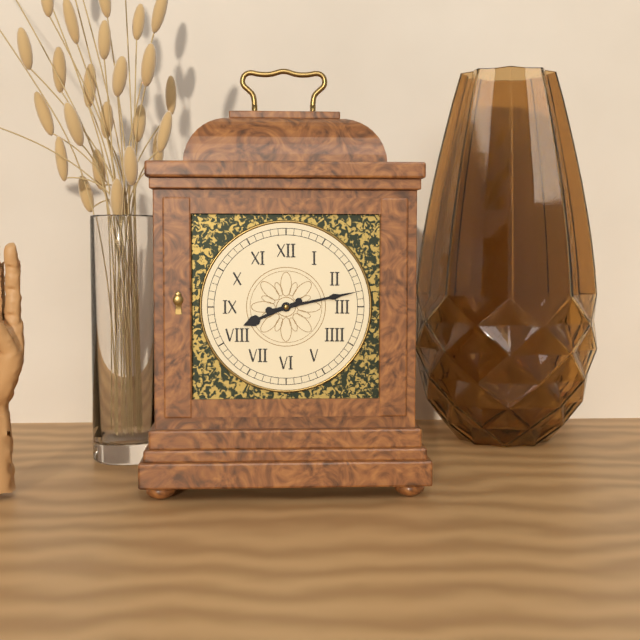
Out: {"hour": 8, "minute": 13}
